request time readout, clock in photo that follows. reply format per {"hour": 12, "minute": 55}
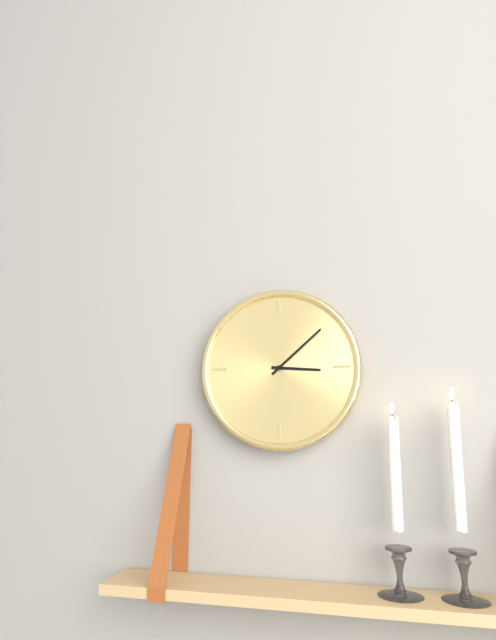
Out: {"hour": 3, "minute": 8}
